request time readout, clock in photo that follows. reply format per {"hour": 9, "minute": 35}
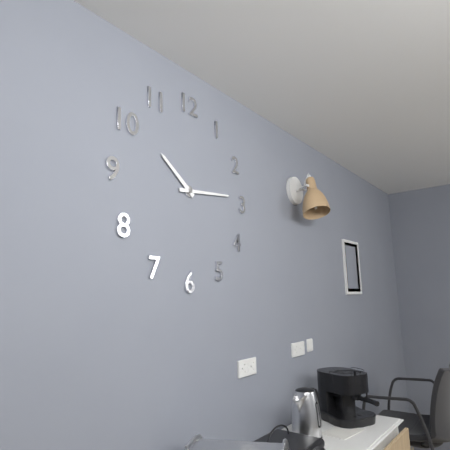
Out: {"hour": 10, "minute": 14}
